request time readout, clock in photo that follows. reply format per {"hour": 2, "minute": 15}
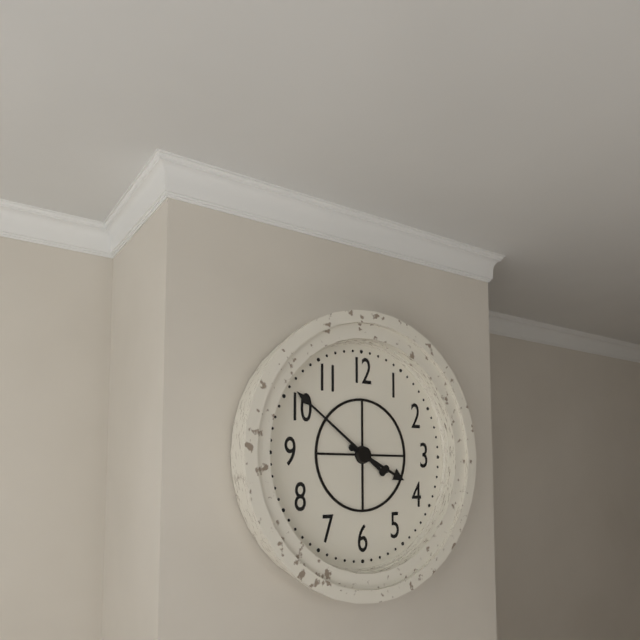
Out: {"hour": 3, "minute": 51}
